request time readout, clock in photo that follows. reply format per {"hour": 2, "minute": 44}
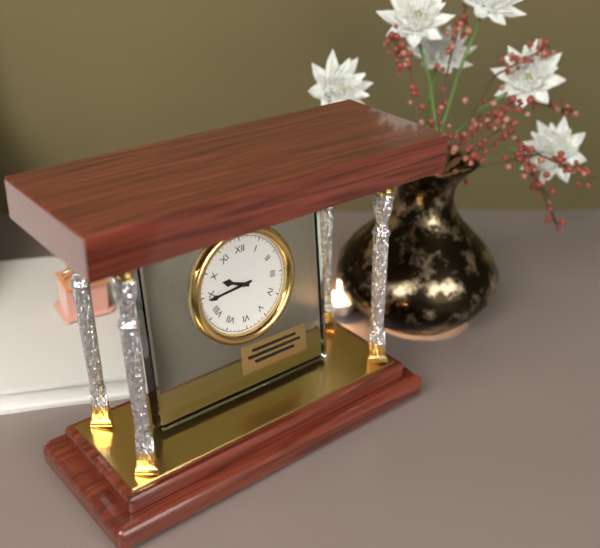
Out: {"hour": 9, "minute": 44}
